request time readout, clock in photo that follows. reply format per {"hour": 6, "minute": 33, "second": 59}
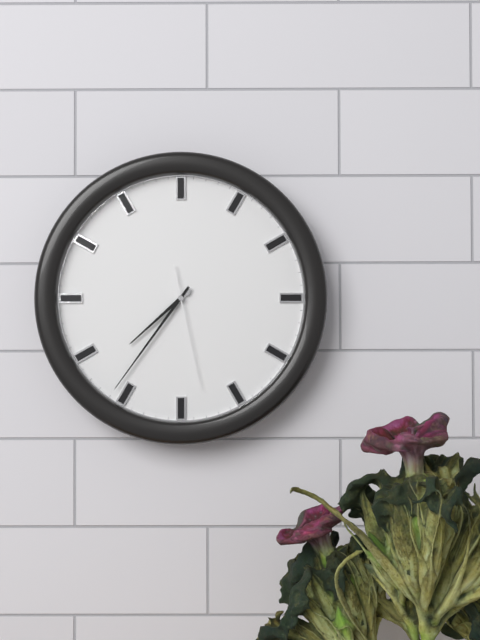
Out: {"hour": 7, "minute": 36, "second": 28}
